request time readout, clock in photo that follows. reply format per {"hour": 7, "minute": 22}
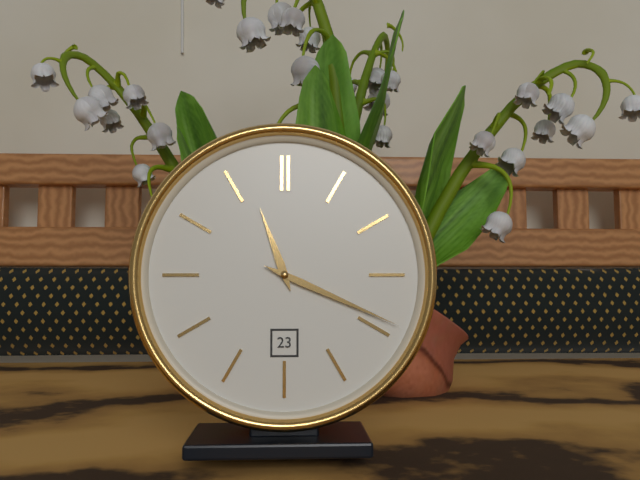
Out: {"hour": 11, "minute": 19}
